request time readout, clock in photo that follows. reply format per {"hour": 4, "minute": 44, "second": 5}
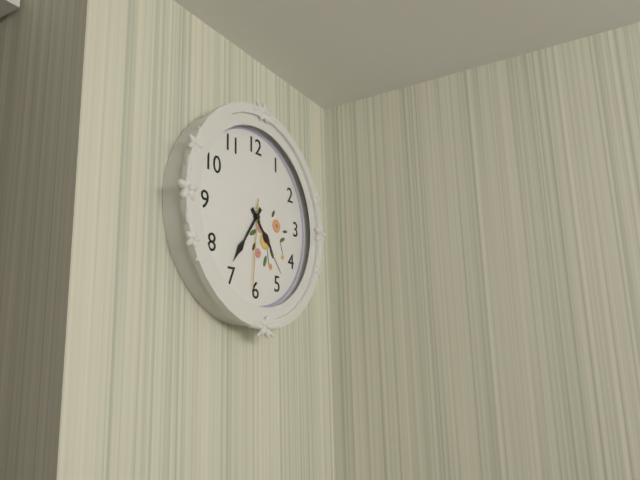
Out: {"hour": 4, "minute": 36, "second": 31}
